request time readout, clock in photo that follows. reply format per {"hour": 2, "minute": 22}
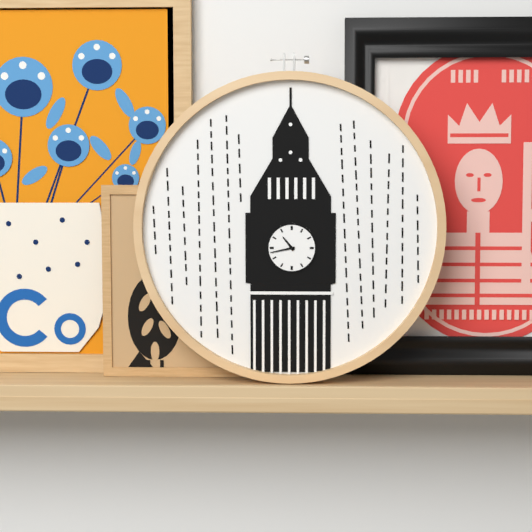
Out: {"hour": 10, "minute": 43}
